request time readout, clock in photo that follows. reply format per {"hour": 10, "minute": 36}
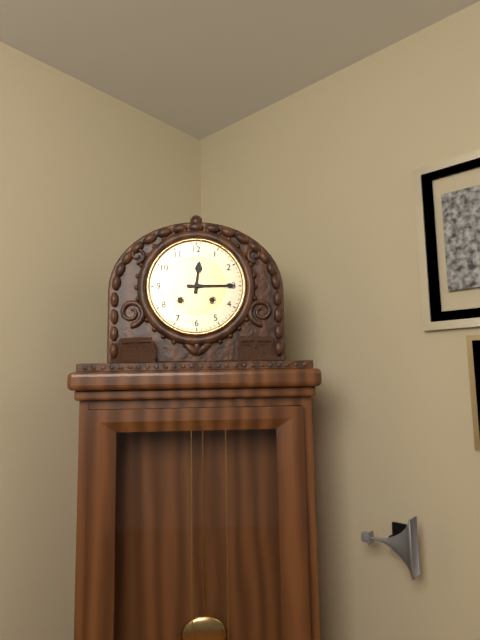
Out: {"hour": 12, "minute": 15}
